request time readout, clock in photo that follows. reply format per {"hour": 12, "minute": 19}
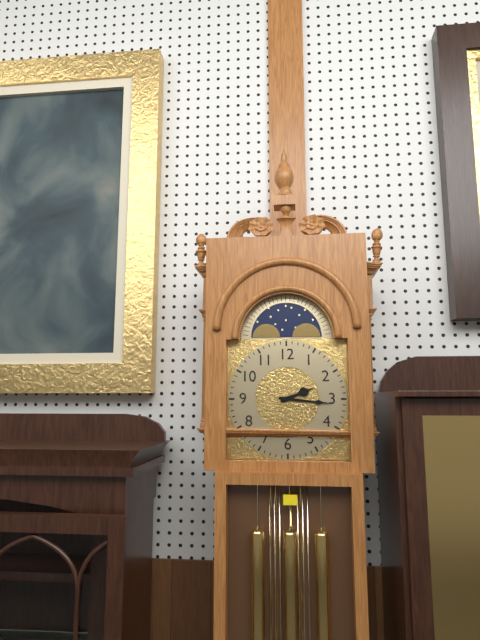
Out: {"hour": 2, "minute": 16}
